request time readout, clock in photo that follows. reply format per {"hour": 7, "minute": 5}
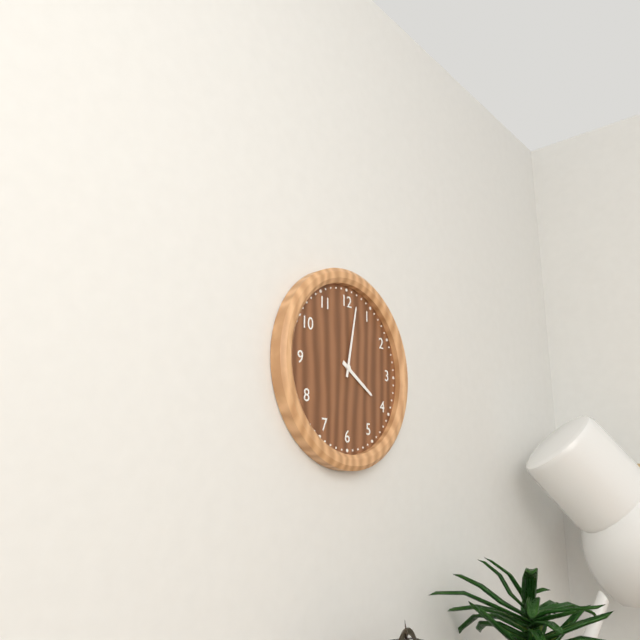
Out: {"hour": 4, "minute": 2}
